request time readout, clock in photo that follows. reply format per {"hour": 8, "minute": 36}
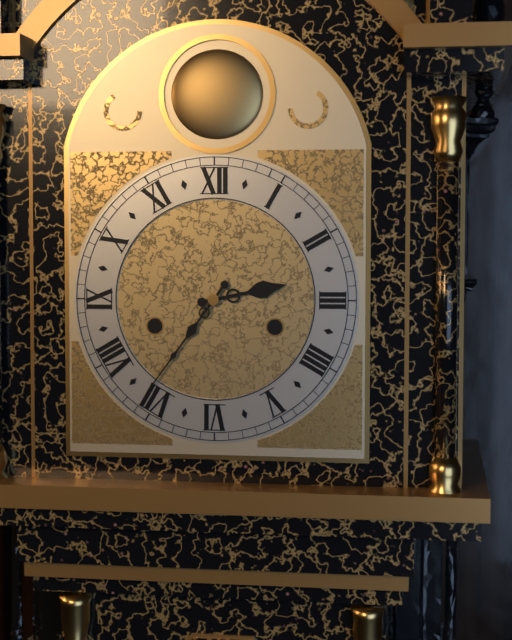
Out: {"hour": 2, "minute": 36}
